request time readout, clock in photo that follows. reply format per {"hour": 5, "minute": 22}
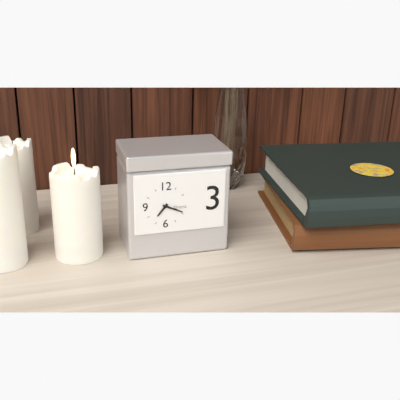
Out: {"hour": 7, "minute": 19}
